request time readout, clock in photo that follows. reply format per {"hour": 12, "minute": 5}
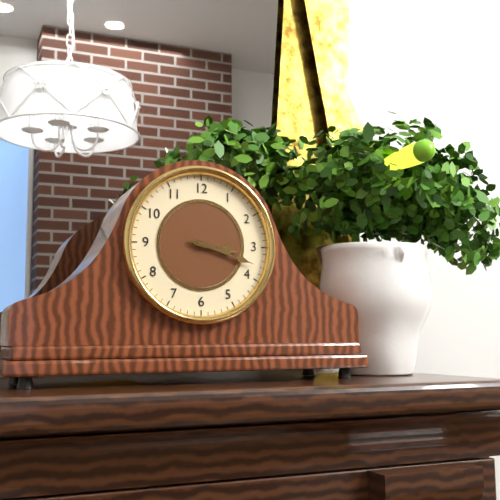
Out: {"hour": 3, "minute": 18}
